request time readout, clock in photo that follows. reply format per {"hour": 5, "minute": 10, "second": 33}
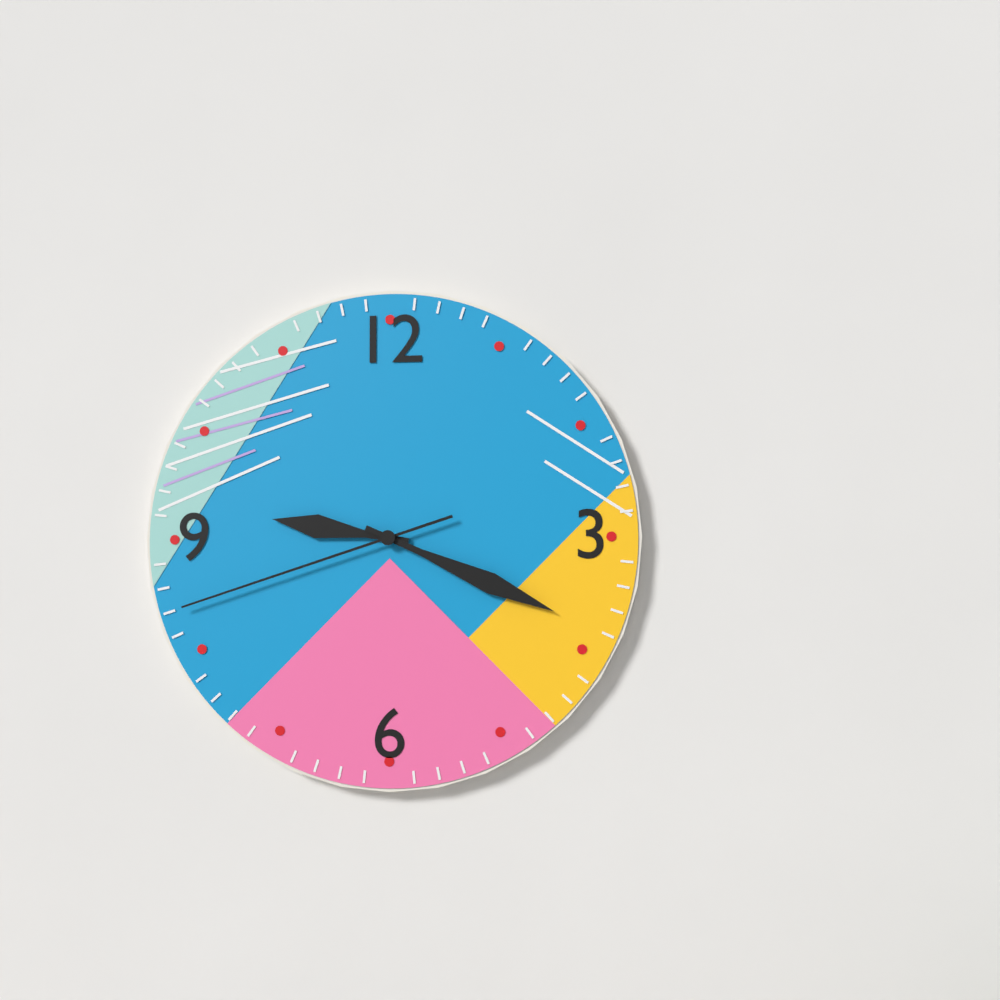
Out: {"hour": 9, "minute": 19, "second": 42}
